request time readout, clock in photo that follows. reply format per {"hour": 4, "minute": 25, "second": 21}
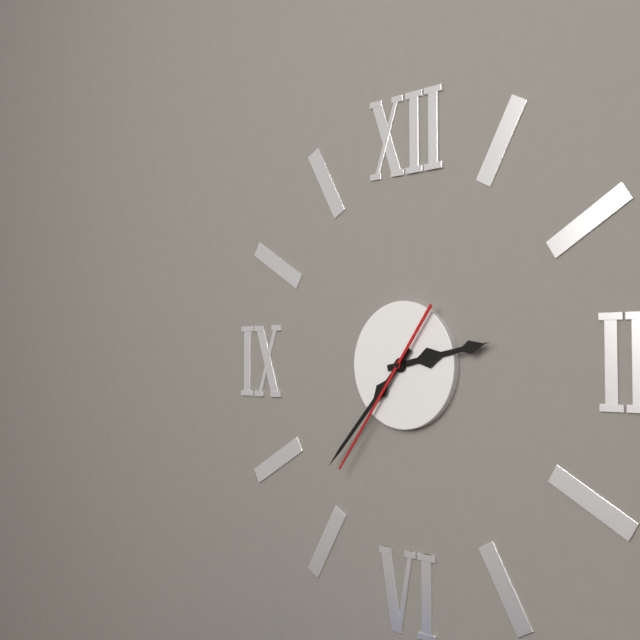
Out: {"hour": 2, "minute": 37, "second": 36}
